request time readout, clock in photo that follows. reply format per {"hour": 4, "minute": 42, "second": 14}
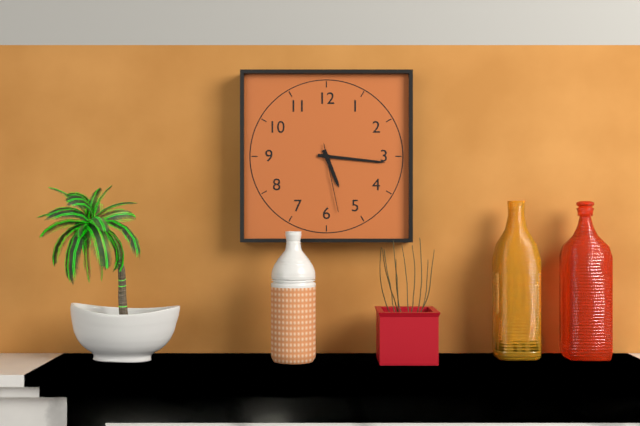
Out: {"hour": 5, "minute": 16, "second": 28}
